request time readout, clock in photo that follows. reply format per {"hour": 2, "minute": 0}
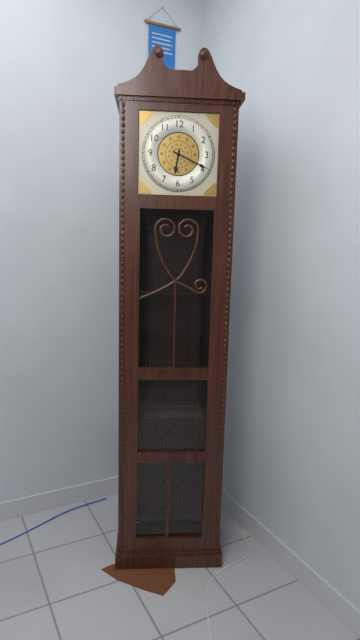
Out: {"hour": 6, "minute": 19}
